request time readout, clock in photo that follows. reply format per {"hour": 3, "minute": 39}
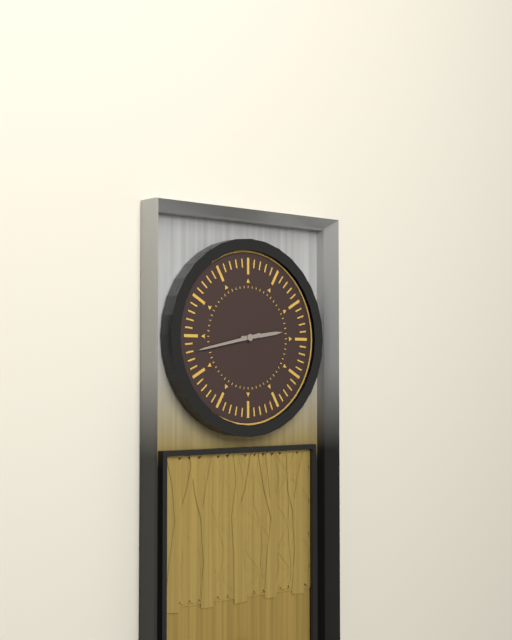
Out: {"hour": 2, "minute": 43}
